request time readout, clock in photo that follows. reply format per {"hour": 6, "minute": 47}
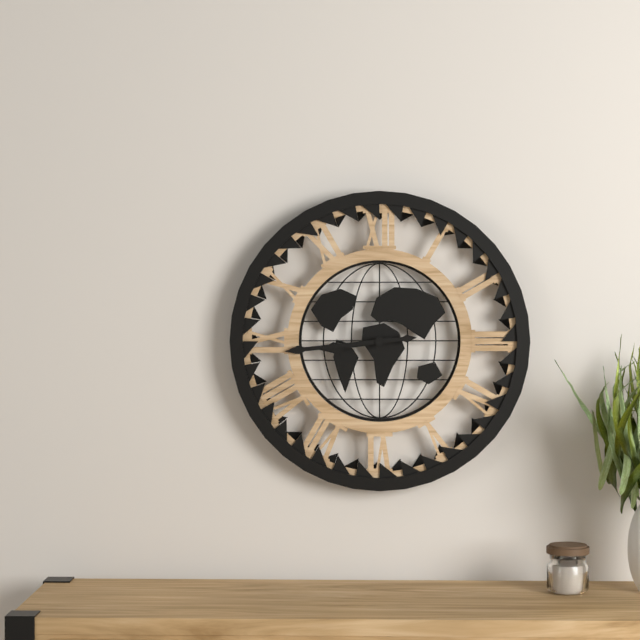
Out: {"hour": 8, "minute": 44}
